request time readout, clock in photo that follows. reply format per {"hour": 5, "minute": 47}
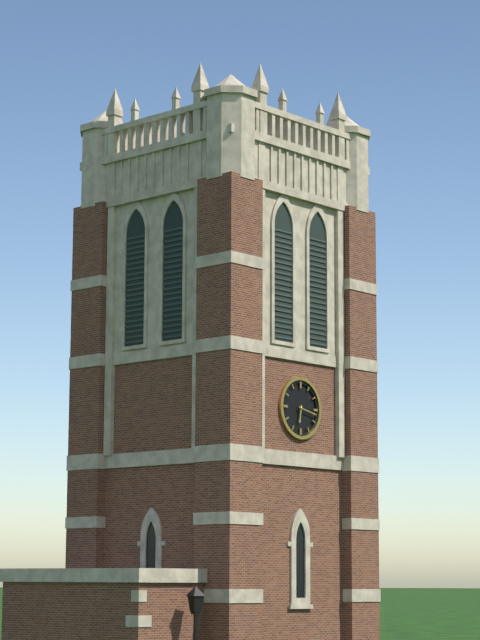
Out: {"hour": 6, "minute": 17}
